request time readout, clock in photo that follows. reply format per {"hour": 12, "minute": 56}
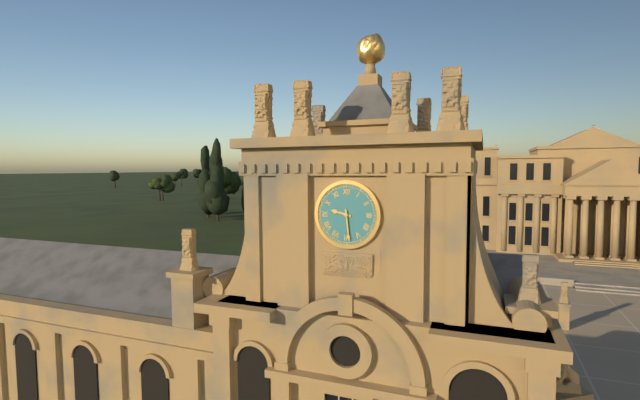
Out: {"hour": 9, "minute": 29}
